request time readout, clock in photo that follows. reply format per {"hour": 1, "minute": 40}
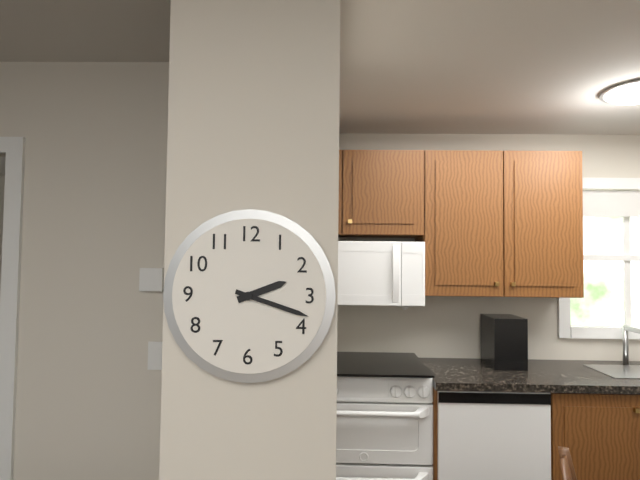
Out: {"hour": 2, "minute": 18}
